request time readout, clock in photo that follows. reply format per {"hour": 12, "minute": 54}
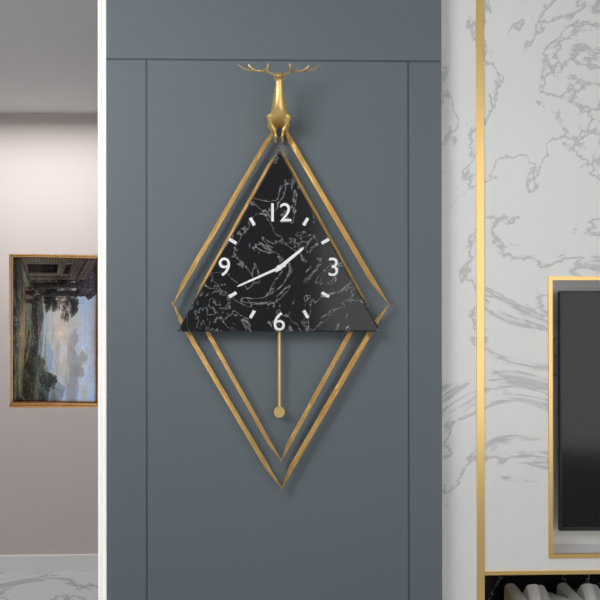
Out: {"hour": 1, "minute": 41}
